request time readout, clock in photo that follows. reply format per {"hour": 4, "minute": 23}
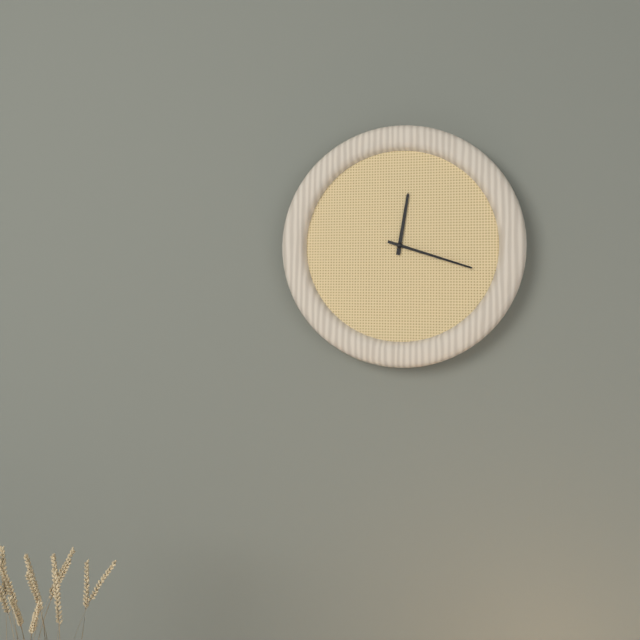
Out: {"hour": 12, "minute": 18}
